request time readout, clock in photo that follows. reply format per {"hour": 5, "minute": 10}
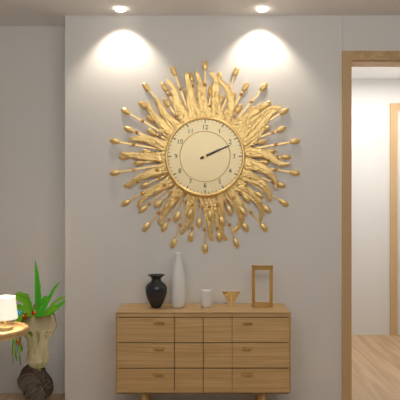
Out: {"hour": 2, "minute": 11}
